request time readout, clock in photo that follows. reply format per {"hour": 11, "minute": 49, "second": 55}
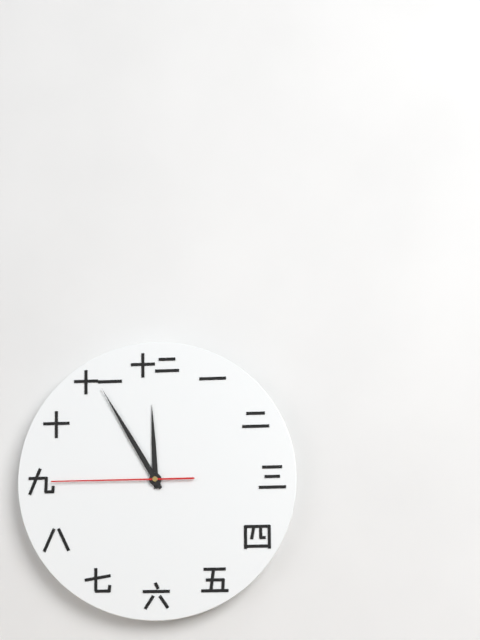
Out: {"hour": 11, "minute": 55, "second": 45}
